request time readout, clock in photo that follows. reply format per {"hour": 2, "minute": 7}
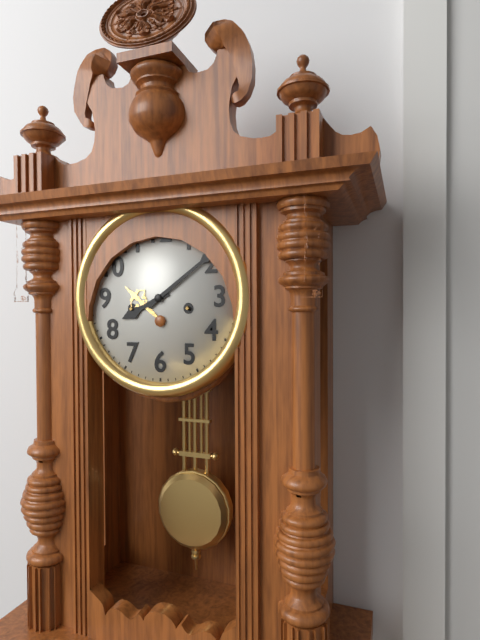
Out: {"hour": 8, "minute": 9}
